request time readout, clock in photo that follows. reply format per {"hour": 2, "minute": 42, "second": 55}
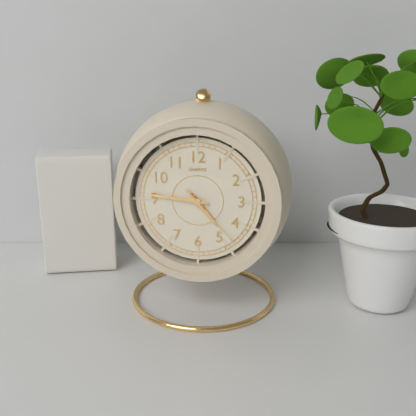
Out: {"hour": 4, "minute": 46, "second": 23}
